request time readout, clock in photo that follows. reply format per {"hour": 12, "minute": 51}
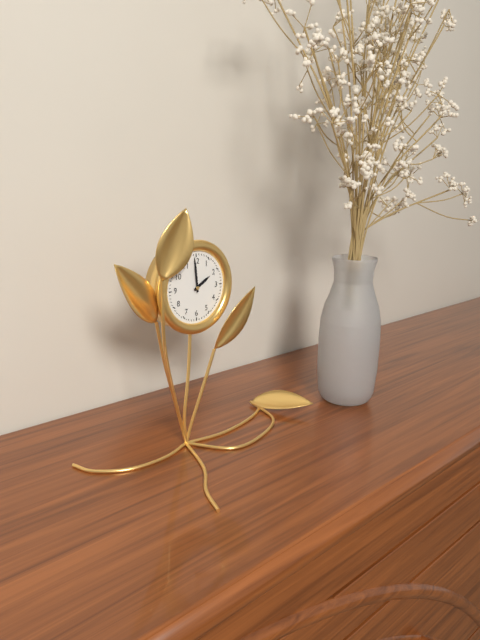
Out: {"hour": 1, "minute": 59}
